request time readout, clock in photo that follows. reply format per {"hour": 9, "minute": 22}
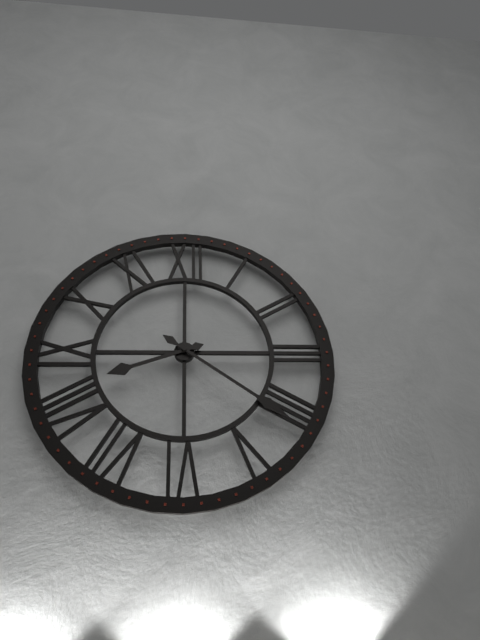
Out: {"hour": 8, "minute": 21}
